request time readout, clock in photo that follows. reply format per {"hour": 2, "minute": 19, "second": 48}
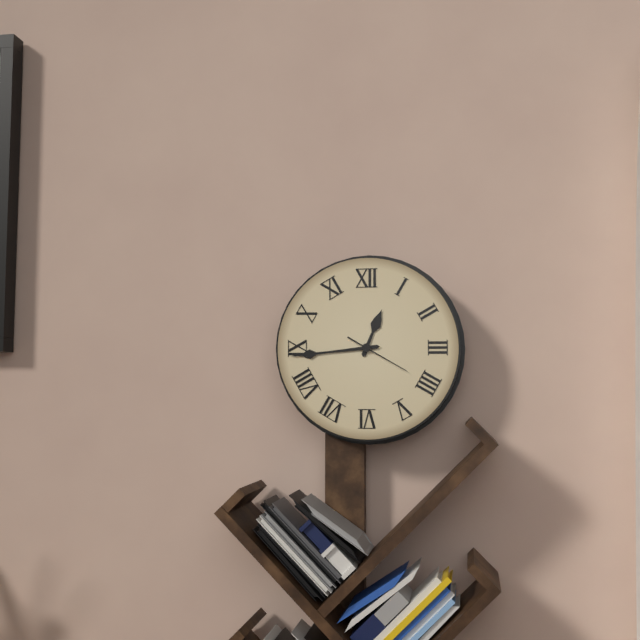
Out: {"hour": 12, "minute": 44, "second": 20}
